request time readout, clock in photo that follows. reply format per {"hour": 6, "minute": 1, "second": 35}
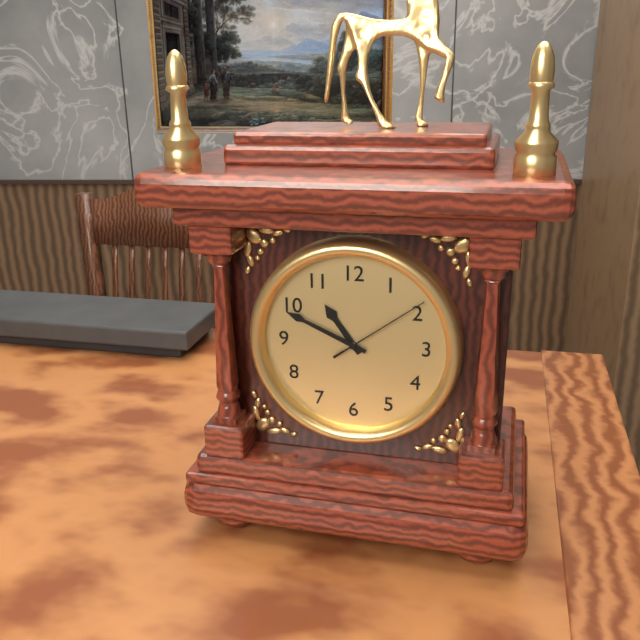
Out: {"hour": 10, "minute": 49, "second": 9}
